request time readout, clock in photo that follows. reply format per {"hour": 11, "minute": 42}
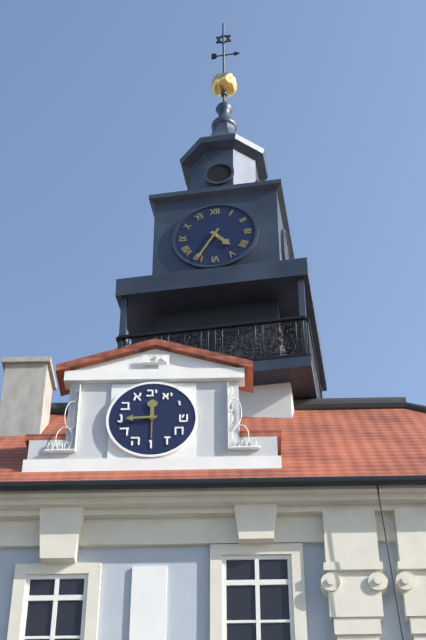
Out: {"hour": 4, "minute": 35}
